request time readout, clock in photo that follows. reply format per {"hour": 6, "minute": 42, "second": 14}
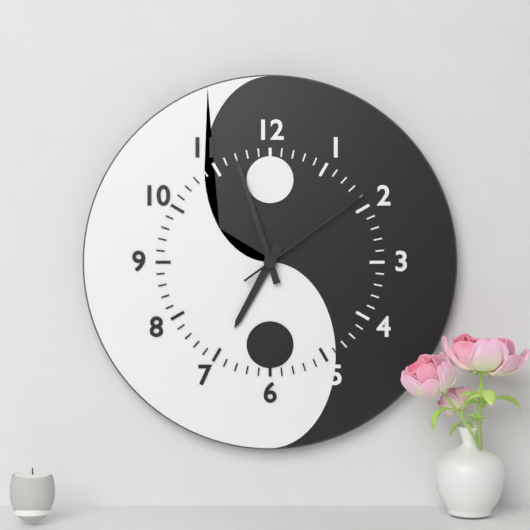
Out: {"hour": 6, "minute": 57, "second": 9}
